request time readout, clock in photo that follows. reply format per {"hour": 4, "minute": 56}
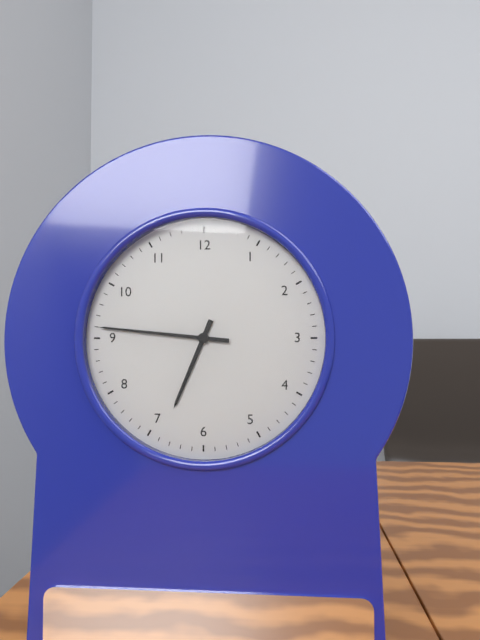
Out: {"hour": 6, "minute": 46}
